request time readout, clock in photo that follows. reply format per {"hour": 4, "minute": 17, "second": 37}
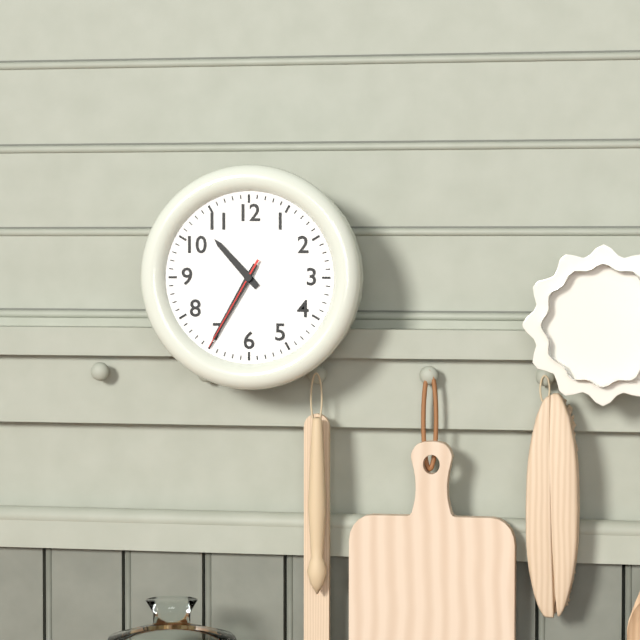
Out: {"hour": 10, "minute": 35, "second": 35}
